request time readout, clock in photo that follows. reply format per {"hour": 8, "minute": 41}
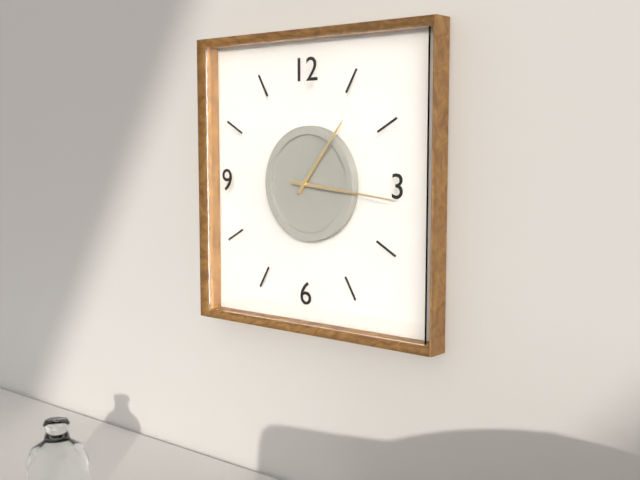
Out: {"hour": 1, "minute": 16}
